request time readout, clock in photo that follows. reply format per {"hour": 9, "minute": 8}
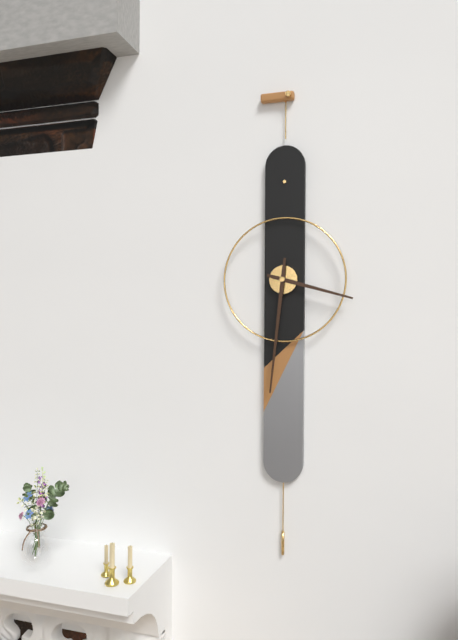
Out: {"hour": 3, "minute": 31}
